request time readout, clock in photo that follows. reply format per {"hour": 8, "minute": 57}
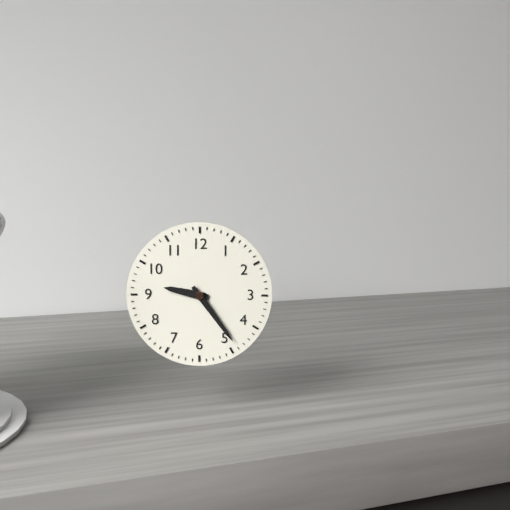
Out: {"hour": 9, "minute": 24}
